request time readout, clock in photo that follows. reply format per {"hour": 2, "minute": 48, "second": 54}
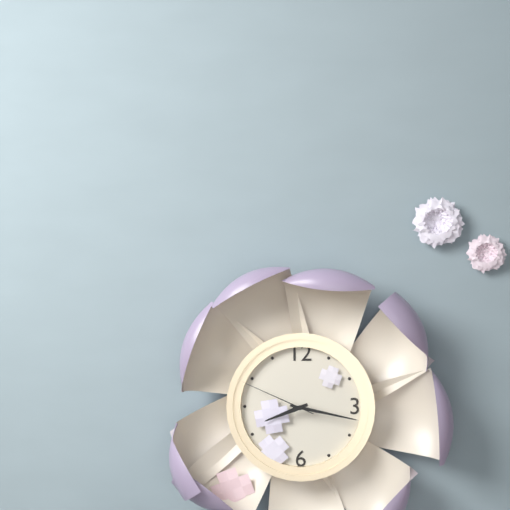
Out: {"hour": 8, "minute": 17, "second": 49}
